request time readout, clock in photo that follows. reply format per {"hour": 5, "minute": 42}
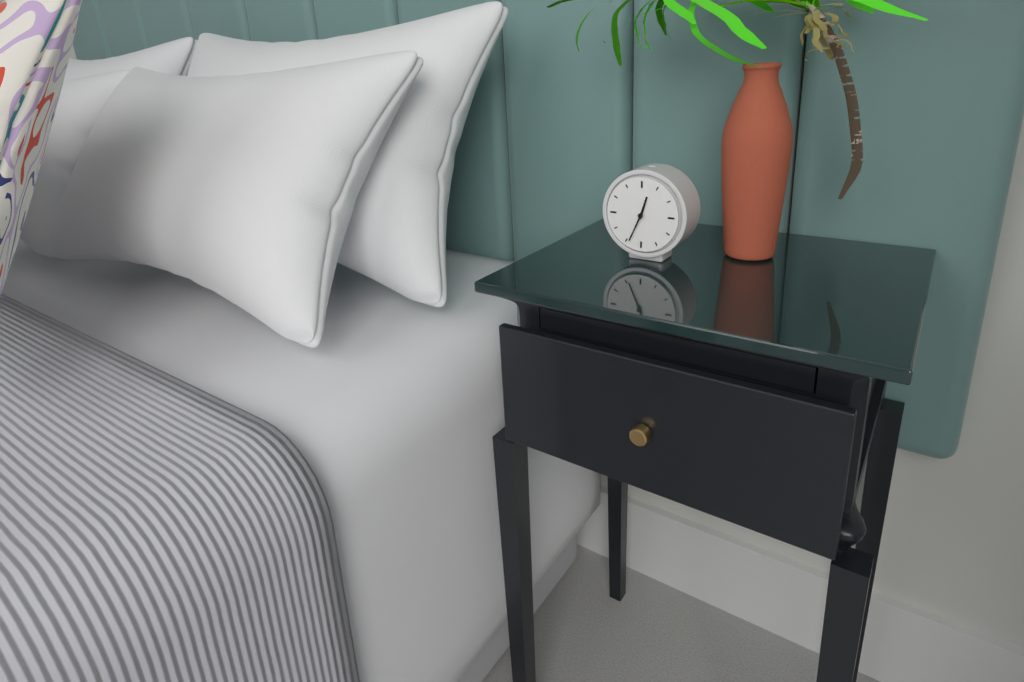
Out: {"hour": 12, "minute": 34}
